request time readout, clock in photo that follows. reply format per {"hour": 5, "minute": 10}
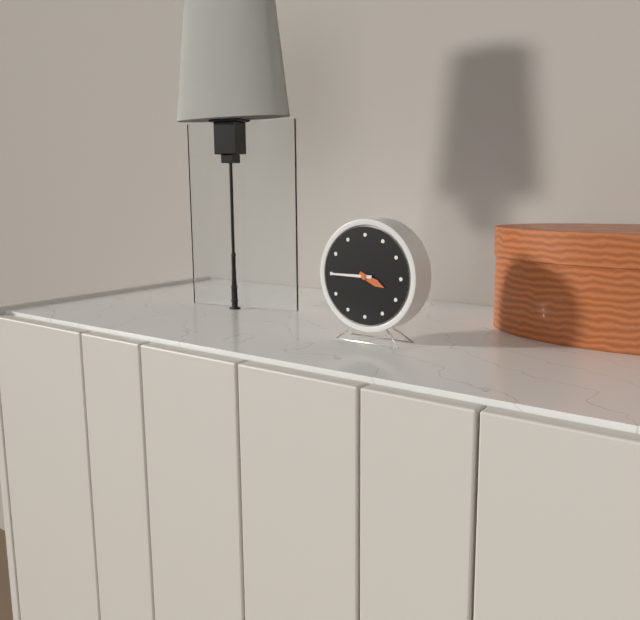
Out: {"hour": 3, "minute": 45}
